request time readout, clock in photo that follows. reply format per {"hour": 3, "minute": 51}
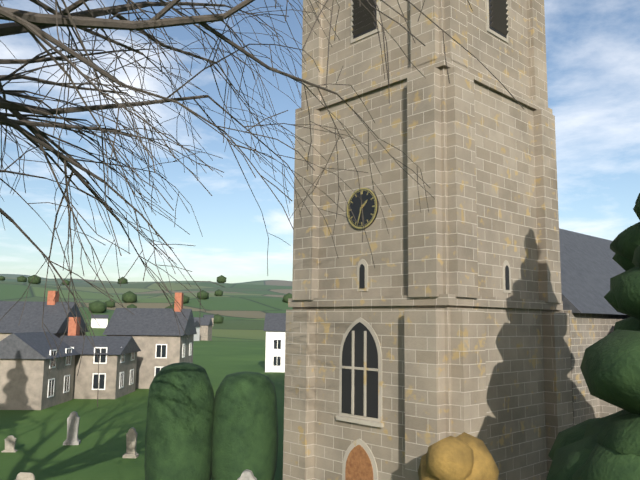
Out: {"hour": 1, "minute": 33}
